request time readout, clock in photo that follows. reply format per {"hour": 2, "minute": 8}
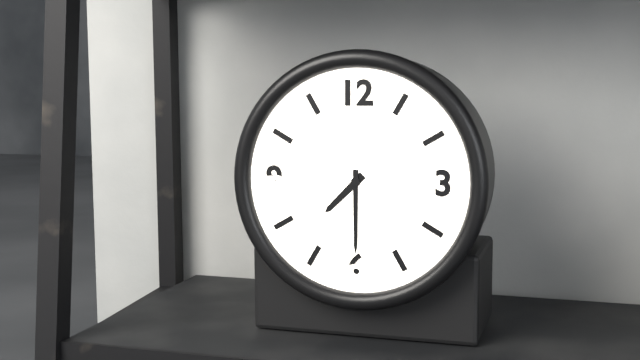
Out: {"hour": 7, "minute": 30}
